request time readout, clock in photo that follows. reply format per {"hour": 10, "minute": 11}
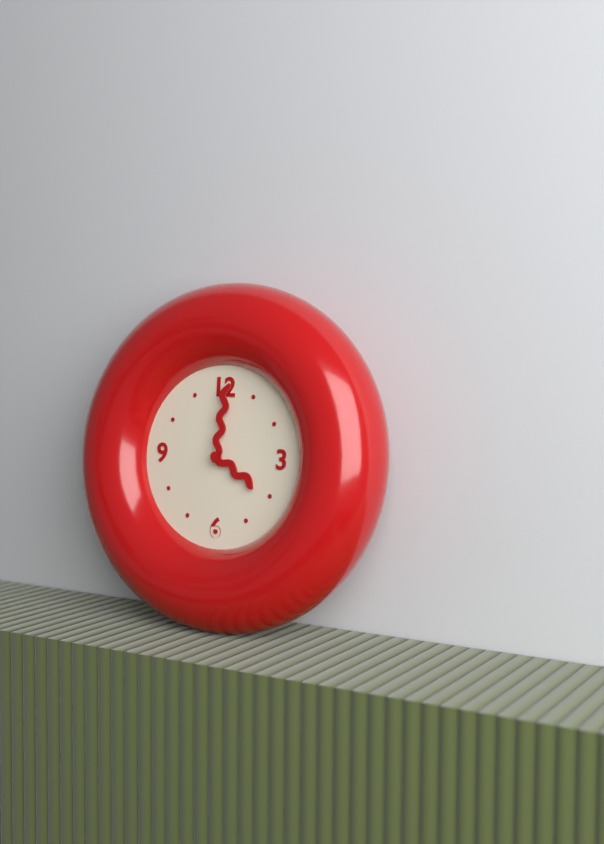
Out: {"hour": 4, "minute": 1}
